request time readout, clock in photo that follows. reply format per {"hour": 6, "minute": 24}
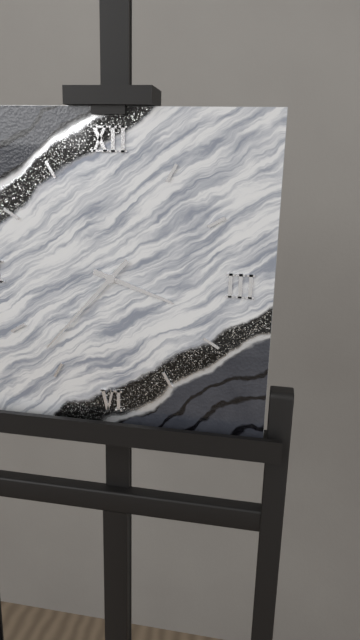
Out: {"hour": 3, "minute": 37}
